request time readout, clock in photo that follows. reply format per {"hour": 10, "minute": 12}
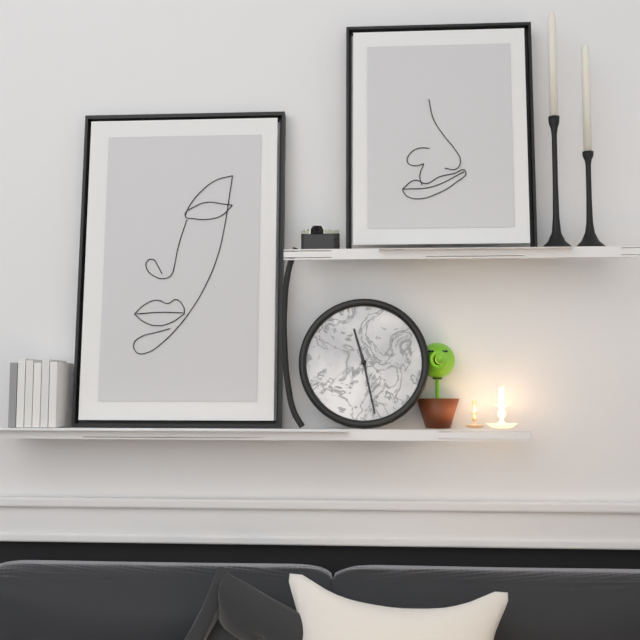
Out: {"hour": 11, "minute": 28}
